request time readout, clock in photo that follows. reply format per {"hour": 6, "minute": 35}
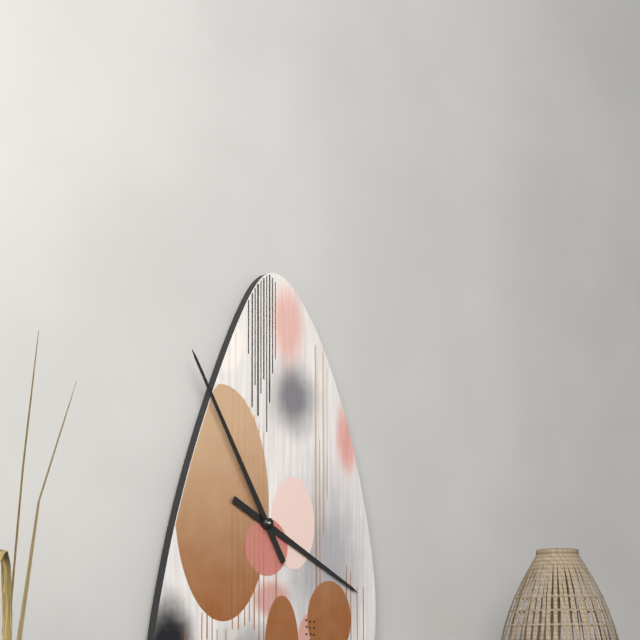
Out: {"hour": 3, "minute": 55}
